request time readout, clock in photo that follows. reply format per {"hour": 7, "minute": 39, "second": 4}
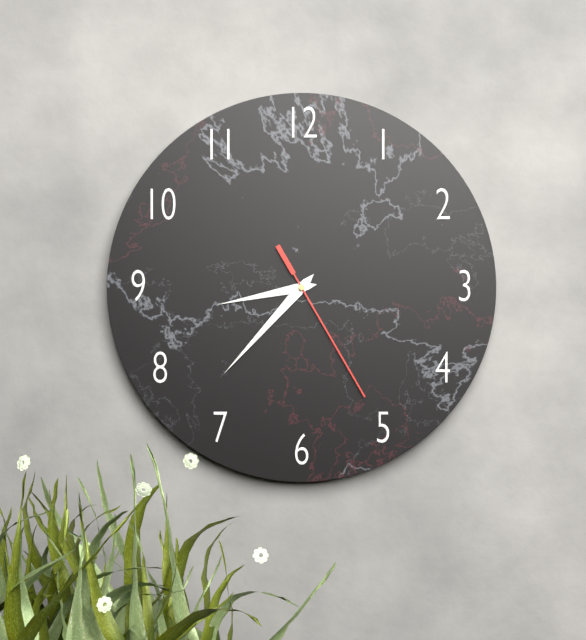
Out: {"hour": 8, "minute": 37, "second": 25}
